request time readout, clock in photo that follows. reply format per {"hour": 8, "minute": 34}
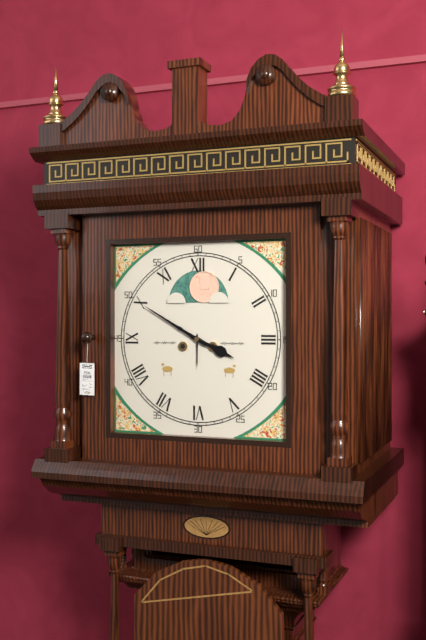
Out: {"hour": 3, "minute": 50}
